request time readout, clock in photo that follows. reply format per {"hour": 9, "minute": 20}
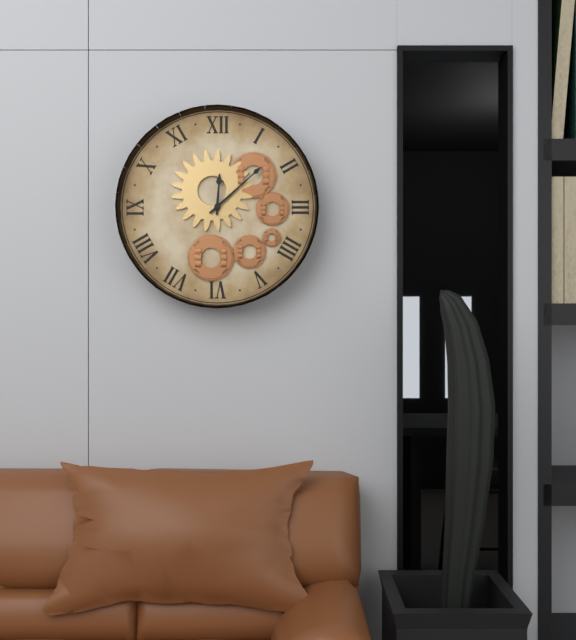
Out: {"hour": 12, "minute": 8}
